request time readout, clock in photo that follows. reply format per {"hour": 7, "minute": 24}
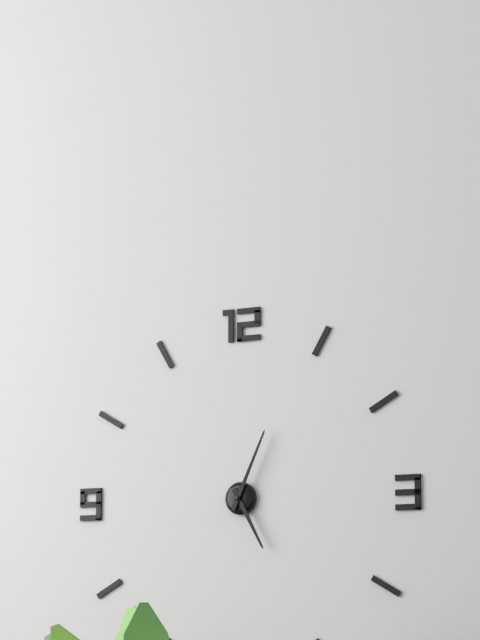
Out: {"hour": 5, "minute": 4}
